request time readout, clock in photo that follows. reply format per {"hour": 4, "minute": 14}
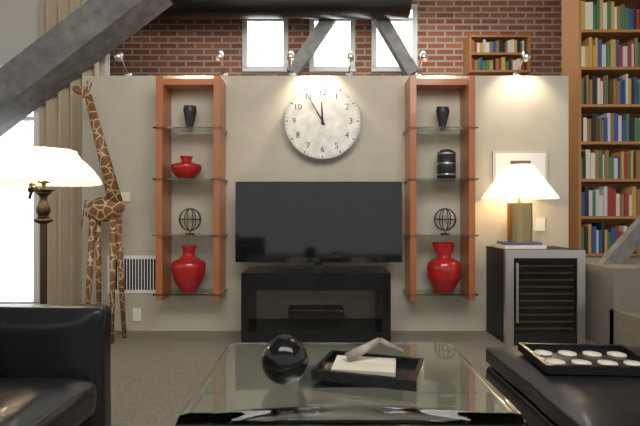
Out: {"hour": 11, "minute": 55}
